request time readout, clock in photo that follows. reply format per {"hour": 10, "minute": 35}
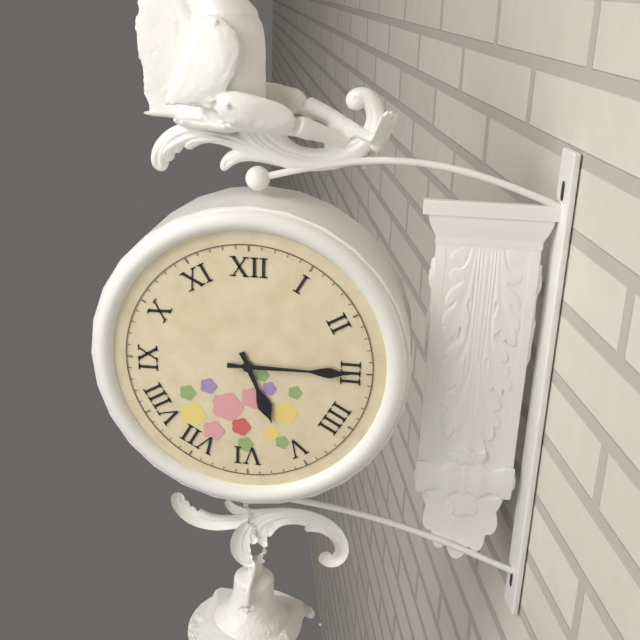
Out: {"hour": 5, "minute": 15}
